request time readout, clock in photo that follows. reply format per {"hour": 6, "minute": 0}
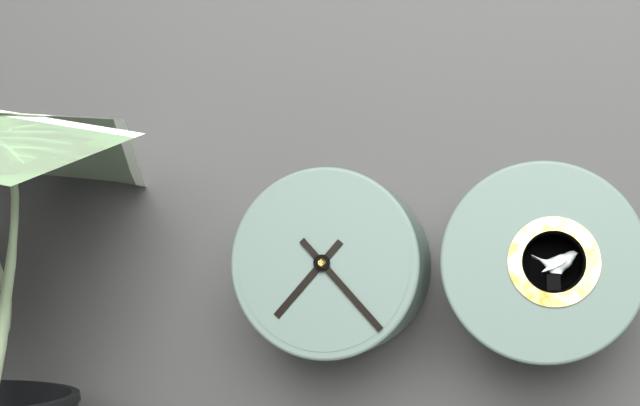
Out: {"hour": 7, "minute": 23}
